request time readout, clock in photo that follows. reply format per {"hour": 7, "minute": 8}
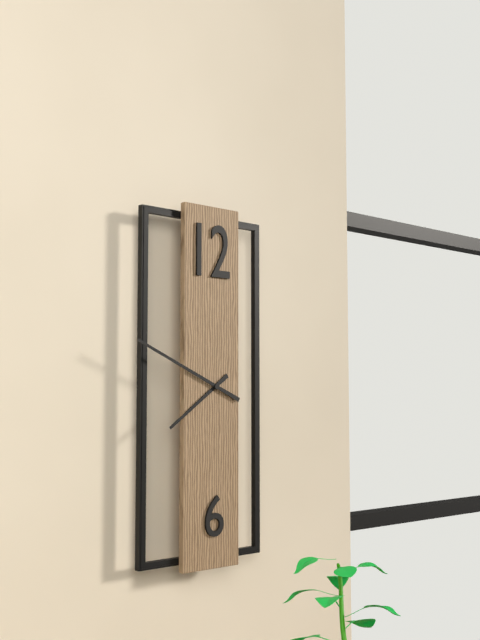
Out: {"hour": 7, "minute": 49}
